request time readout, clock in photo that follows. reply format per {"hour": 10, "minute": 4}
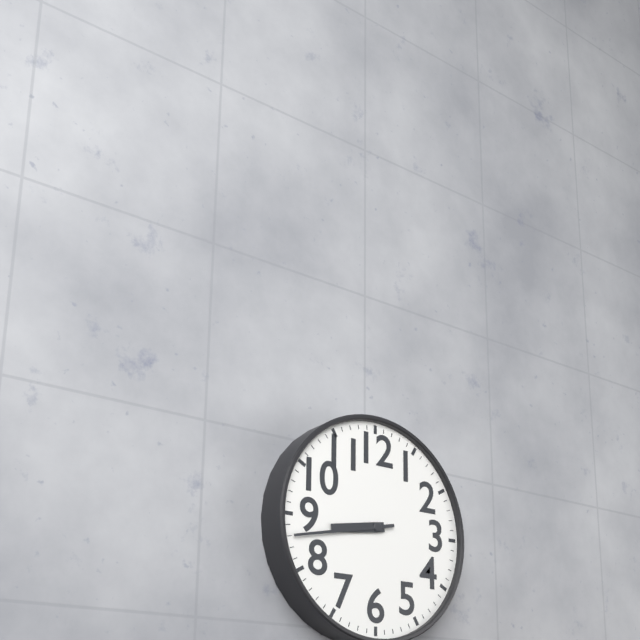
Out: {"hour": 8, "minute": 43}
